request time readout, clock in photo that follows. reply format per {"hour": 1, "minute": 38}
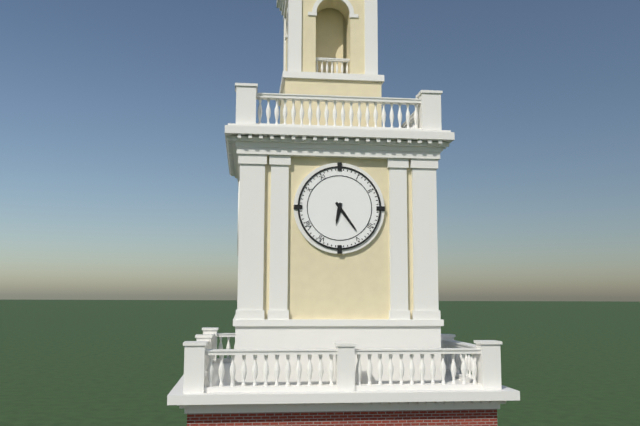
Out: {"hour": 6, "minute": 24}
